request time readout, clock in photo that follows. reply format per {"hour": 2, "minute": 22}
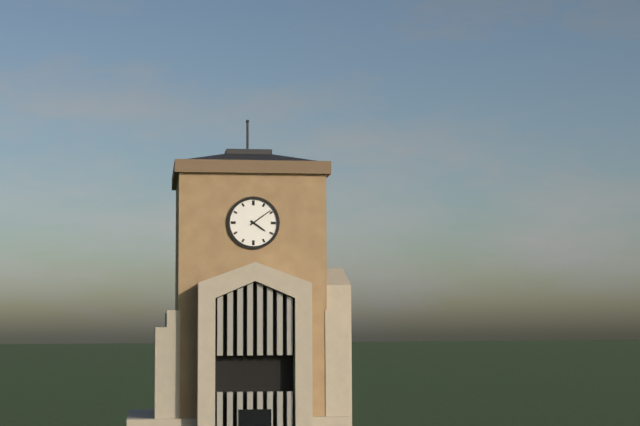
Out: {"hour": 4, "minute": 9}
